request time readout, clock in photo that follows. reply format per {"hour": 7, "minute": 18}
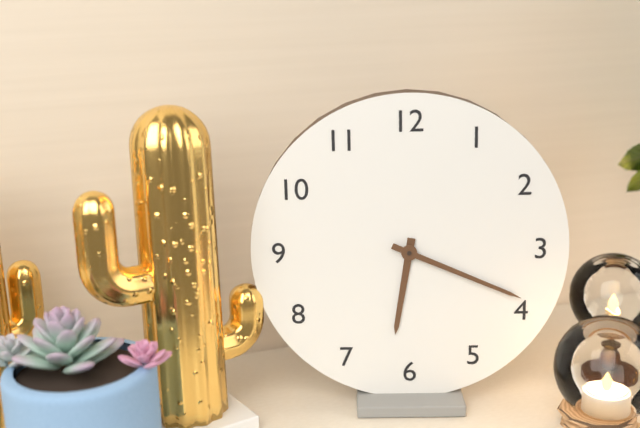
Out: {"hour": 6, "minute": 19}
